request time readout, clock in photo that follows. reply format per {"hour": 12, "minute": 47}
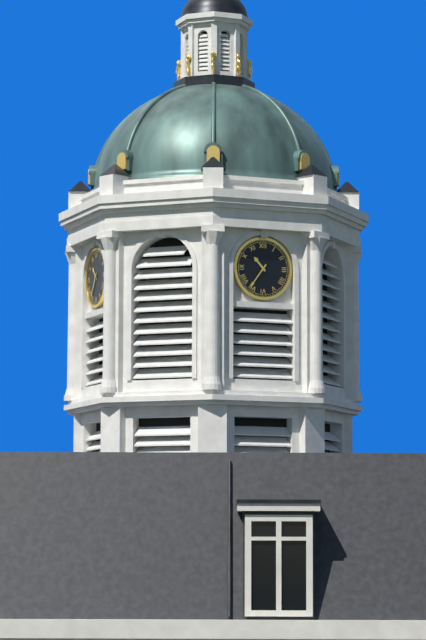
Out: {"hour": 10, "minute": 36}
